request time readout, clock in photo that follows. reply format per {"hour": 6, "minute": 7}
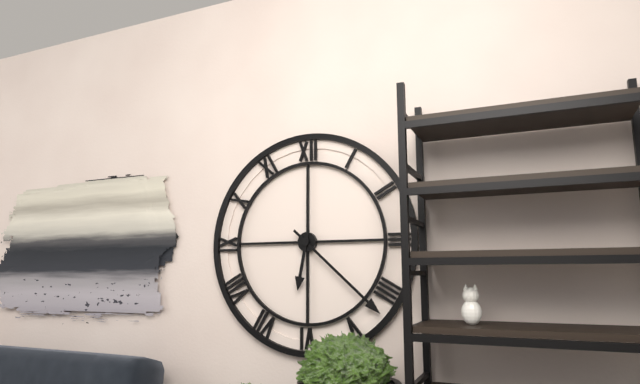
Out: {"hour": 6, "minute": 22}
